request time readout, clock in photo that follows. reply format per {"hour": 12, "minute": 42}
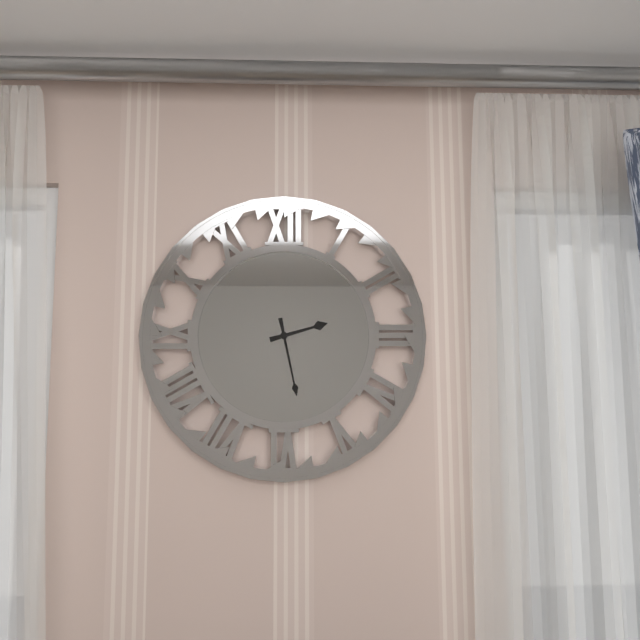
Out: {"hour": 2, "minute": 28}
